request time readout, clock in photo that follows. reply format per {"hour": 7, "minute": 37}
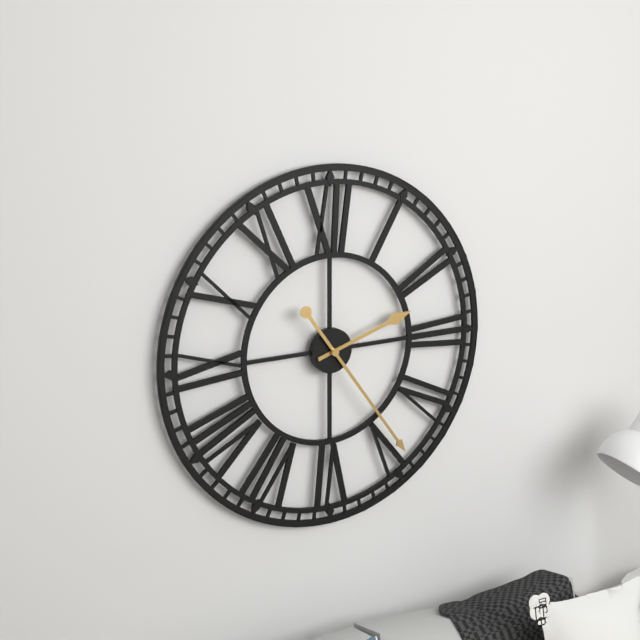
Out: {"hour": 2, "minute": 24}
